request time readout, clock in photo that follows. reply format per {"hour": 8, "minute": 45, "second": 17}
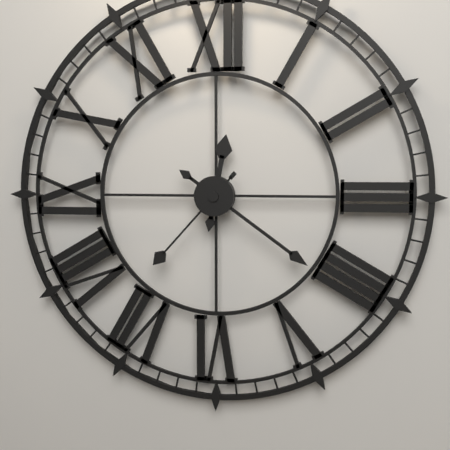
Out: {"hour": 12, "minute": 21, "second": 37}
